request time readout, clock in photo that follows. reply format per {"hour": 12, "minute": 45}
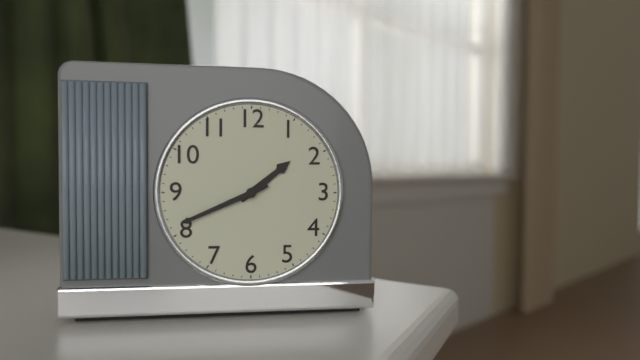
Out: {"hour": 1, "minute": 41}
